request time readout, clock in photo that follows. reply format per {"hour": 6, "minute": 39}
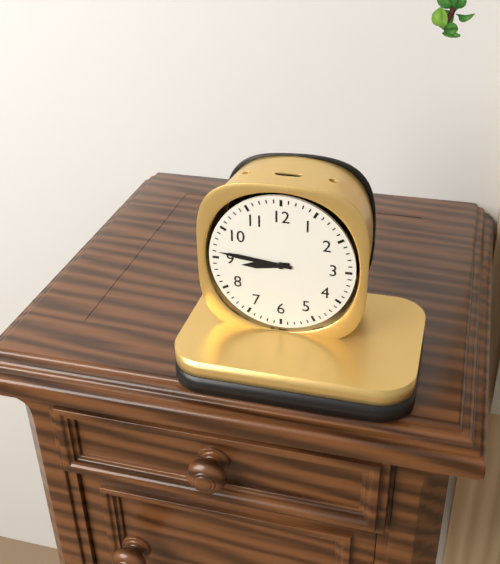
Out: {"hour": 8, "minute": 46}
